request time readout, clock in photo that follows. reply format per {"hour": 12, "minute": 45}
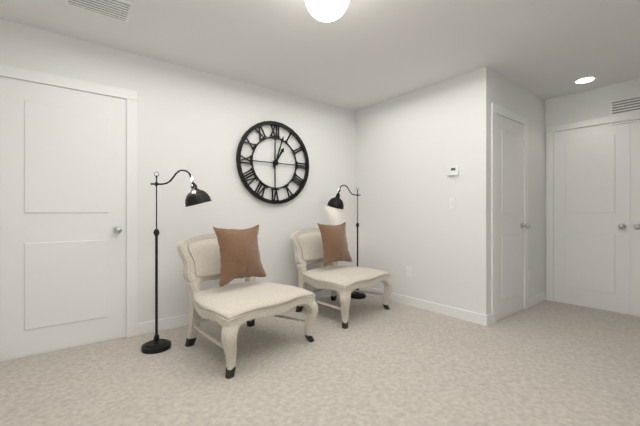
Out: {"hour": 1, "minute": 3}
